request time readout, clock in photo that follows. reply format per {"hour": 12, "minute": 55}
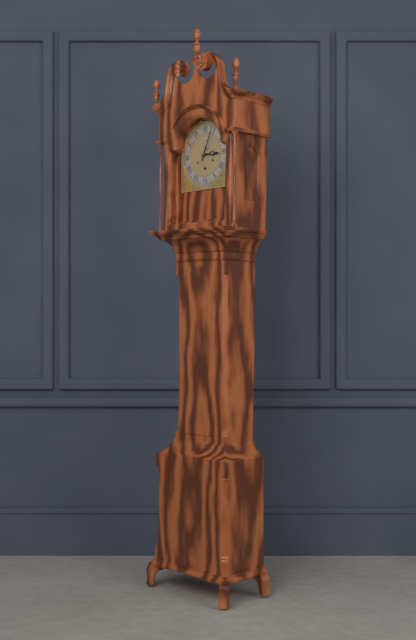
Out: {"hour": 3, "minute": 4}
